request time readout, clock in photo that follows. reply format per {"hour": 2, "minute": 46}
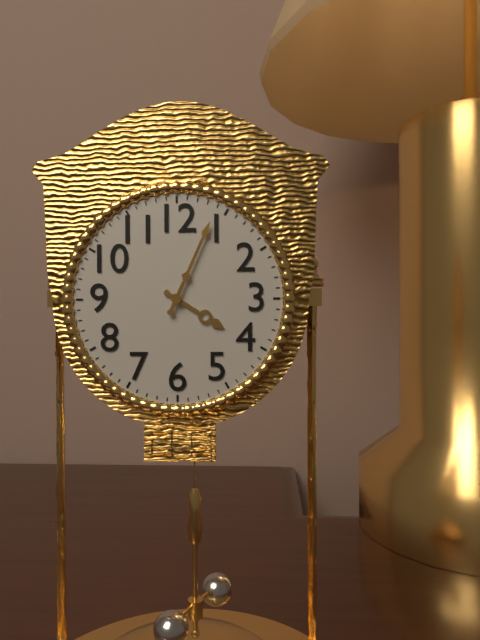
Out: {"hour": 4, "minute": 4}
